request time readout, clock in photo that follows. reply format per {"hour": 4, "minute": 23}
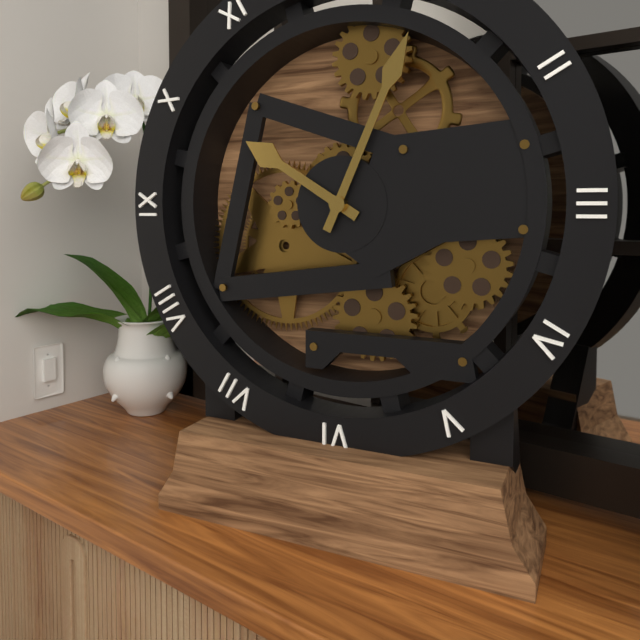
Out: {"hour": 10, "minute": 4}
